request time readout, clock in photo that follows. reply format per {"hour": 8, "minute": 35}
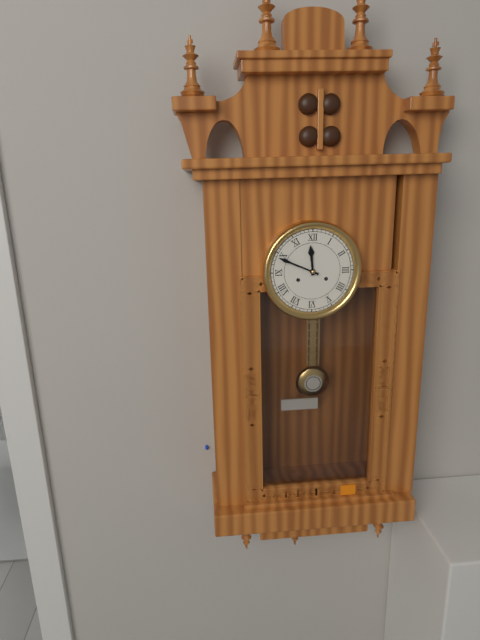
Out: {"hour": 11, "minute": 49}
